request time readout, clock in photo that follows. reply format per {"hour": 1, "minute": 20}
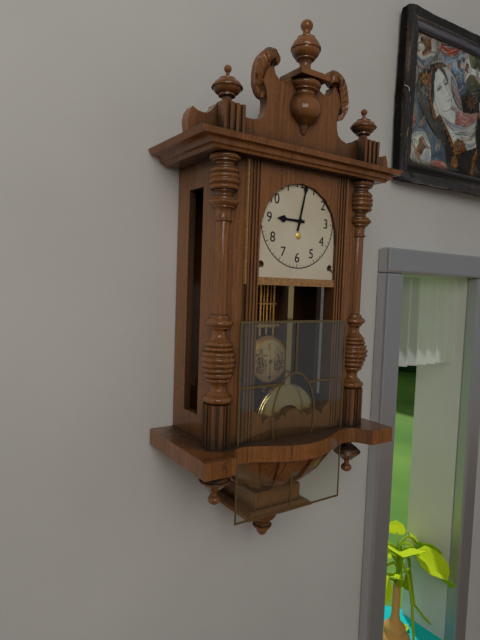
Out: {"hour": 9, "minute": 2}
